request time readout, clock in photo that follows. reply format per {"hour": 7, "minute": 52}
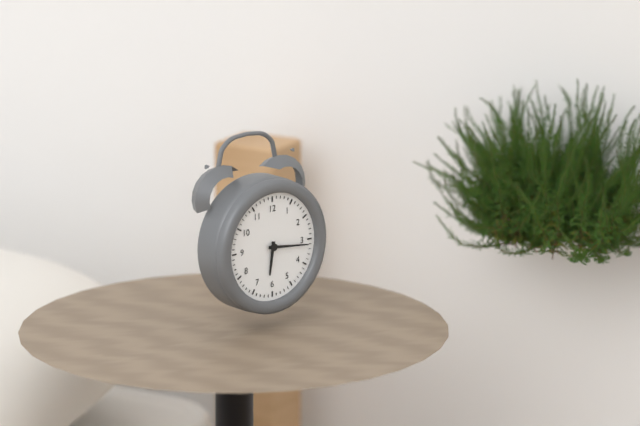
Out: {"hour": 6, "minute": 16}
